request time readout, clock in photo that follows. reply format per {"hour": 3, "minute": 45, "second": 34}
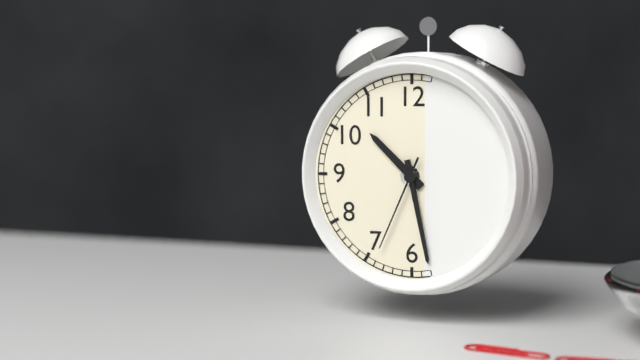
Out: {"hour": 10, "minute": 28, "second": 34}
